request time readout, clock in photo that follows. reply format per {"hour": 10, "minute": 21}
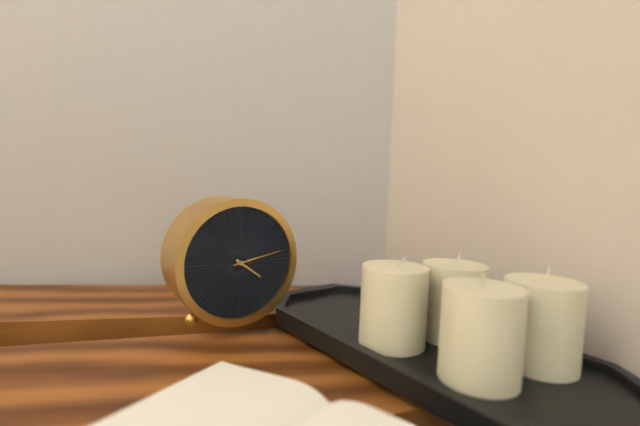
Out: {"hour": 4, "minute": 13}
